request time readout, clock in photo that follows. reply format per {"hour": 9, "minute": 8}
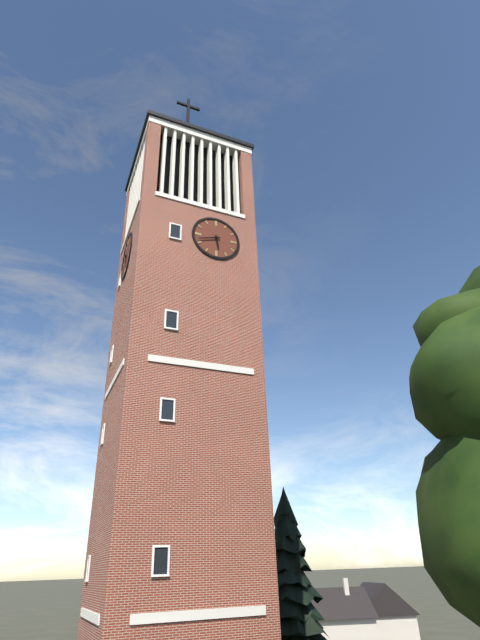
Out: {"hour": 5, "minute": 42}
